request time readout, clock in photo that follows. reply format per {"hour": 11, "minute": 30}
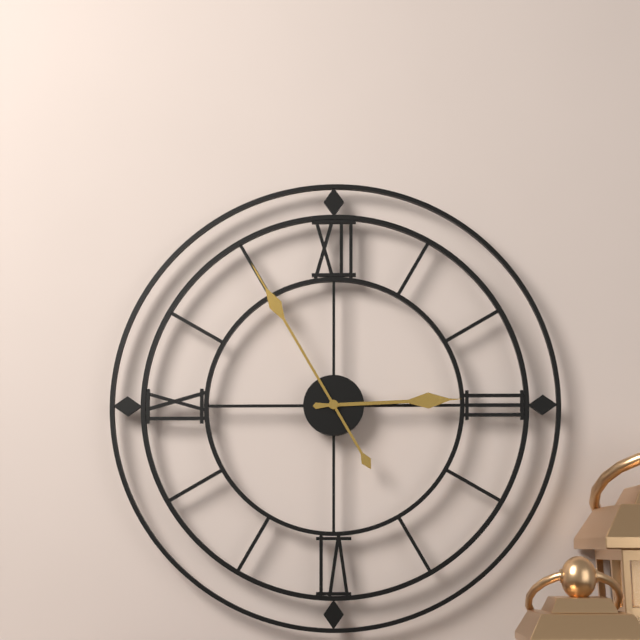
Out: {"hour": 2, "minute": 55}
